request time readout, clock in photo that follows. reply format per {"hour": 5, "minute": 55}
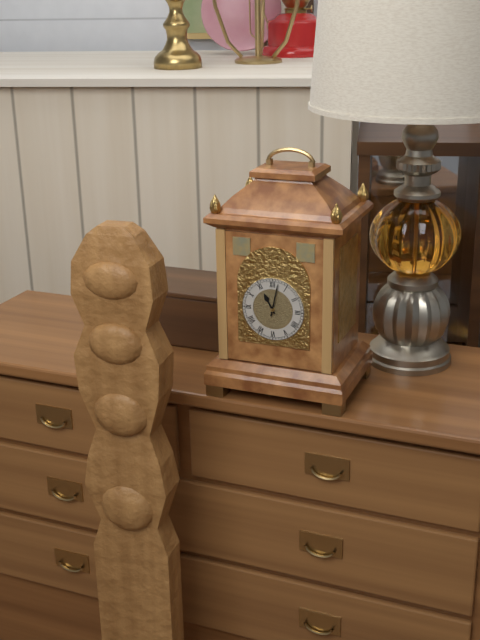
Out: {"hour": 11, "minute": 2}
